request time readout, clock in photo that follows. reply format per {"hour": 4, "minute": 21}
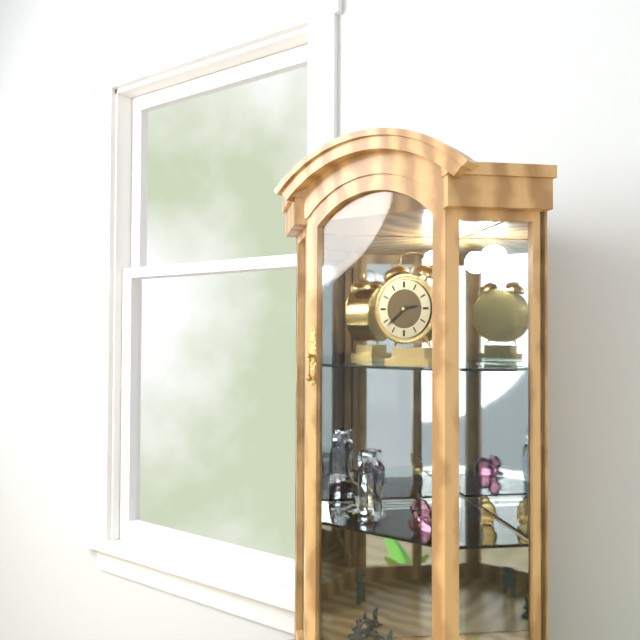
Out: {"hour": 2, "minute": 38}
